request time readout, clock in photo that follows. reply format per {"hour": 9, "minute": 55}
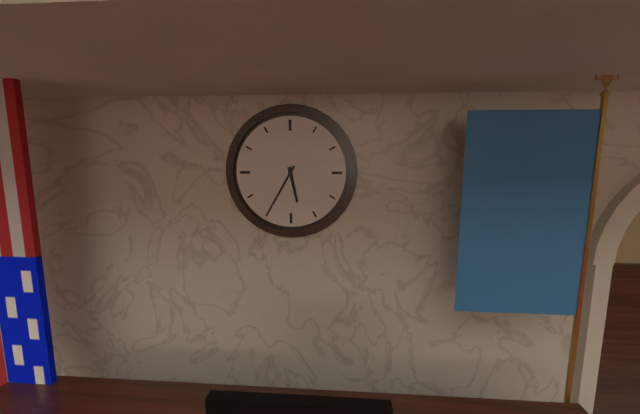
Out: {"hour": 5, "minute": 35}
